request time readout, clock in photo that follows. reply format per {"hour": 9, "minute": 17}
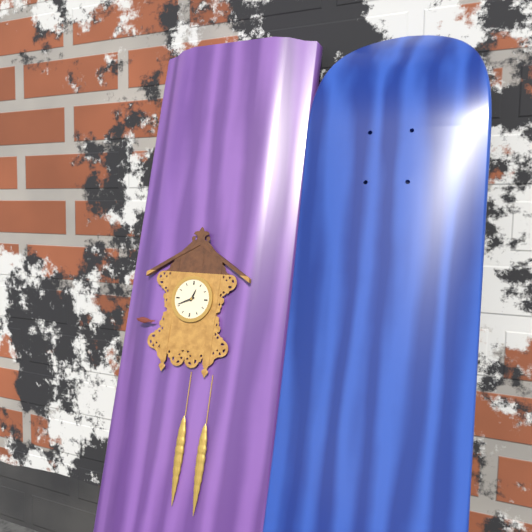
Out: {"hour": 12, "minute": 41}
